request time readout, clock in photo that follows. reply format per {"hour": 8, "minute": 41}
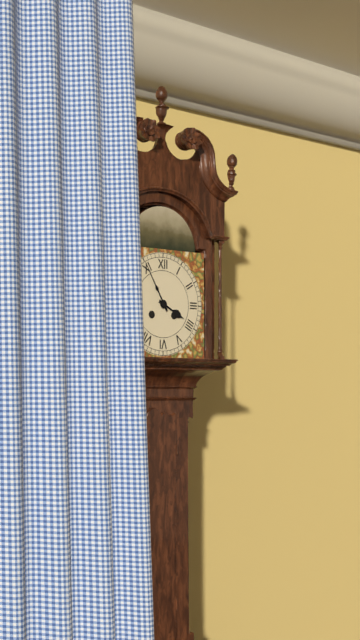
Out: {"hour": 3, "minute": 55}
